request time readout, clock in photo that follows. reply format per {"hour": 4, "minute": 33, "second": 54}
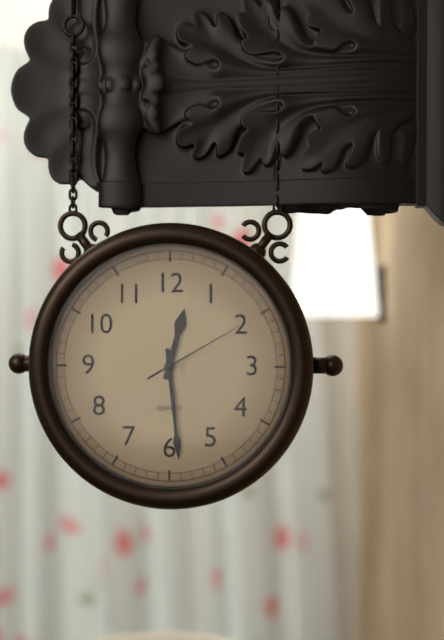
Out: {"hour": 12, "minute": 29, "second": 10}
